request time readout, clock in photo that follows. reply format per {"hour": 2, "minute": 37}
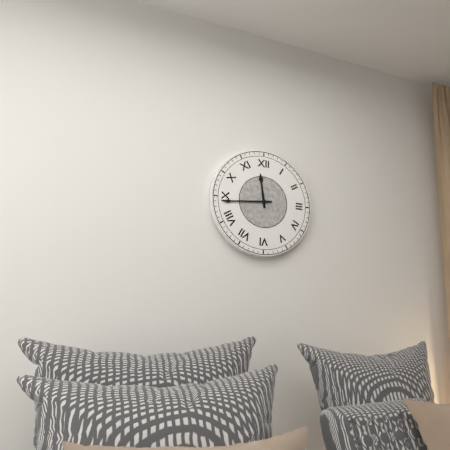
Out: {"hour": 11, "minute": 44}
